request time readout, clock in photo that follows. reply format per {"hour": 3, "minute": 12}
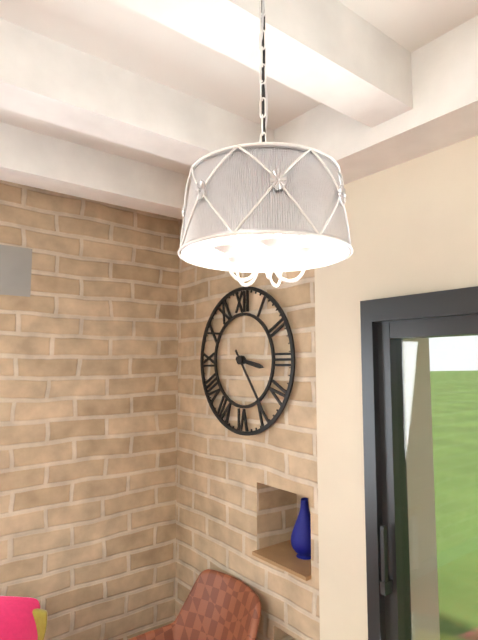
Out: {"hour": 3, "minute": 24}
